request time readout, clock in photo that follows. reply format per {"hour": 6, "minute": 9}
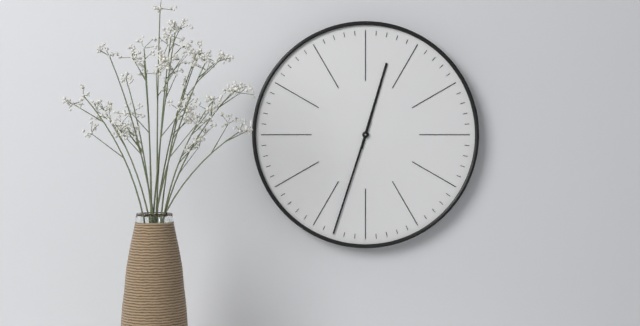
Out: {"hour": 12, "minute": 33}
